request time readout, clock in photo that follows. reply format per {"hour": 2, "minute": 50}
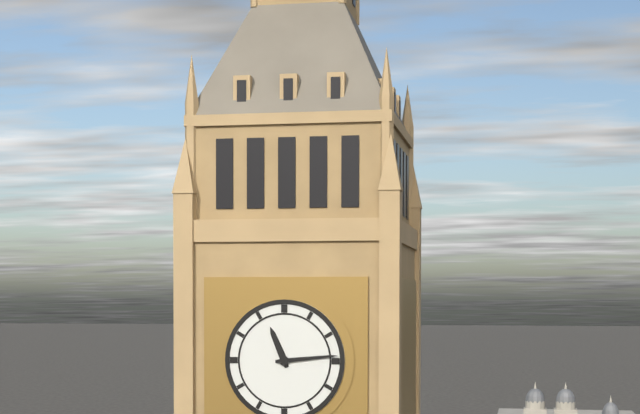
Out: {"hour": 11, "minute": 14}
